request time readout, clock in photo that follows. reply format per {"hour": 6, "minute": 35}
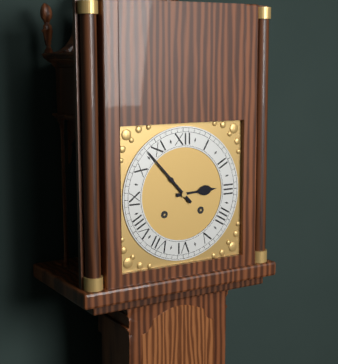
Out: {"hour": 2, "minute": 53}
